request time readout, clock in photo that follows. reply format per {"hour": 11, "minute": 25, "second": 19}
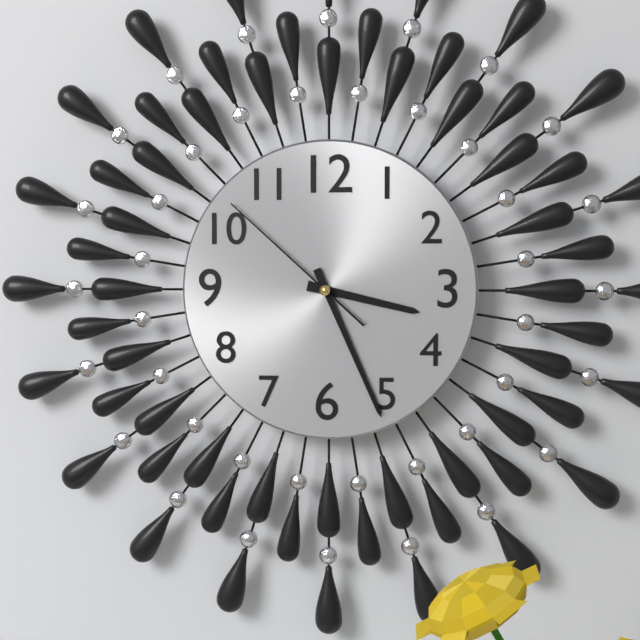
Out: {"hour": 3, "minute": 26, "second": 52}
